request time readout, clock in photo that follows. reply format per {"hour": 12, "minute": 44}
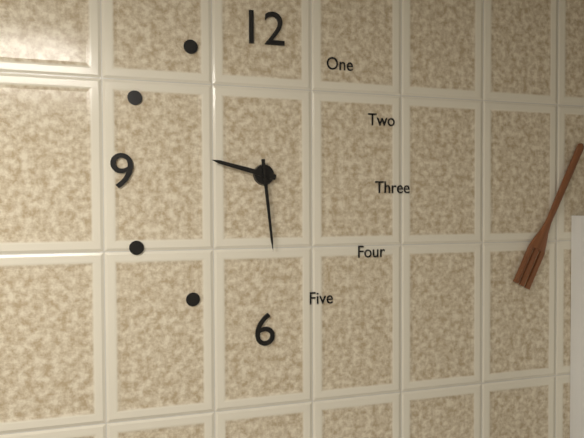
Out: {"hour": 9, "minute": 29}
